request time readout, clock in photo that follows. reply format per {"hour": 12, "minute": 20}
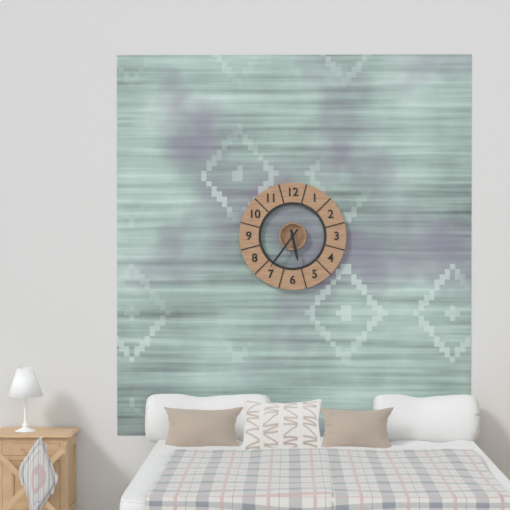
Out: {"hour": 5, "minute": 36}
